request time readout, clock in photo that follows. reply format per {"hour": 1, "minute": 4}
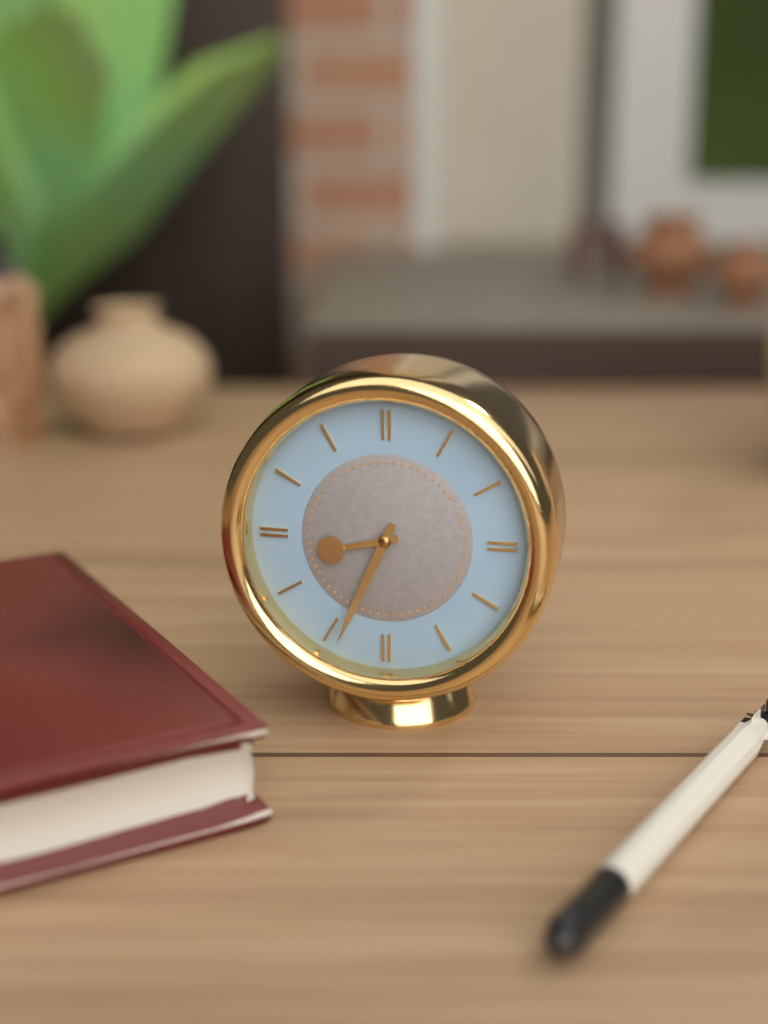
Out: {"hour": 8, "minute": 34}
